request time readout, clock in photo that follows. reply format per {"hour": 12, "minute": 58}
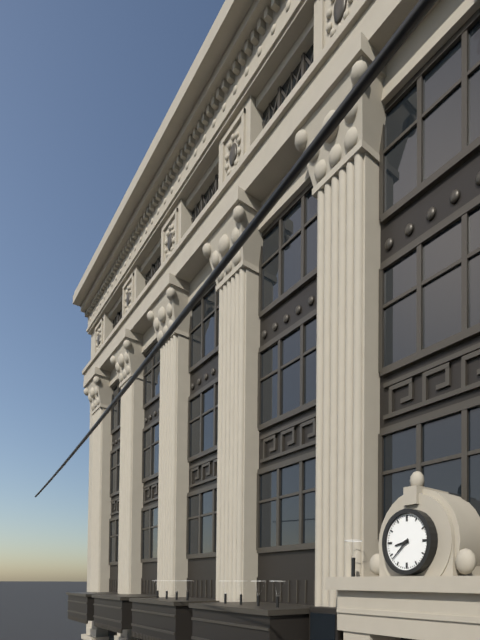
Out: {"hour": 8, "minute": 38}
